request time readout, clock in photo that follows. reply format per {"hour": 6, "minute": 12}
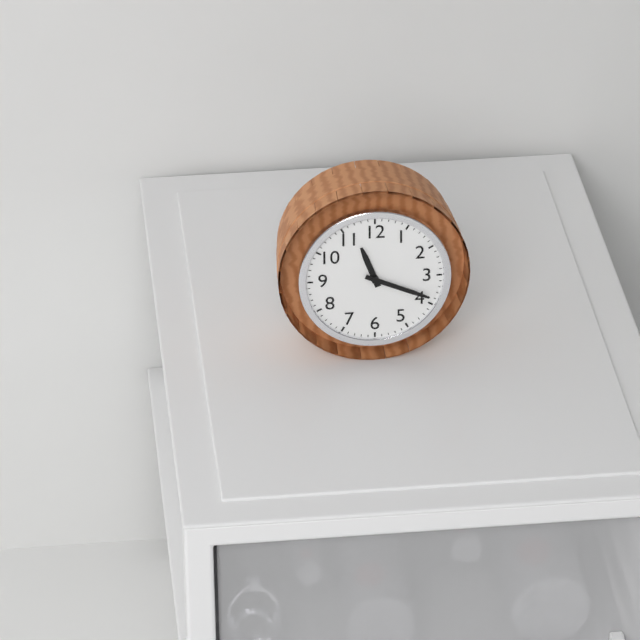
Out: {"hour": 11, "minute": 19}
